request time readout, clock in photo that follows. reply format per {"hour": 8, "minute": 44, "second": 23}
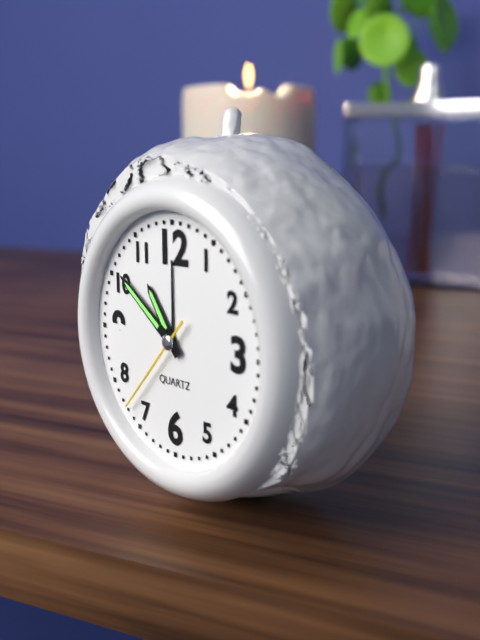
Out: {"hour": 10, "minute": 51, "second": 37}
